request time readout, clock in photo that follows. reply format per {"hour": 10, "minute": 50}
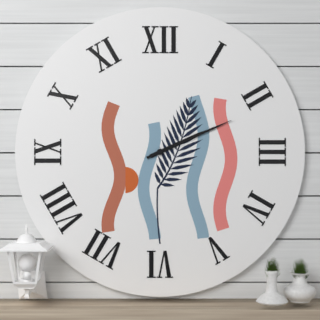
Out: {"hour": 2, "minute": 11}
